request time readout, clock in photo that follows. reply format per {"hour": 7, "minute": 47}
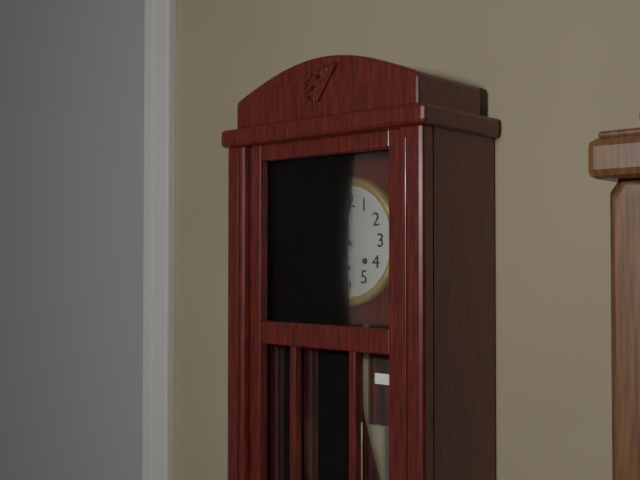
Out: {"hour": 10, "minute": 0}
